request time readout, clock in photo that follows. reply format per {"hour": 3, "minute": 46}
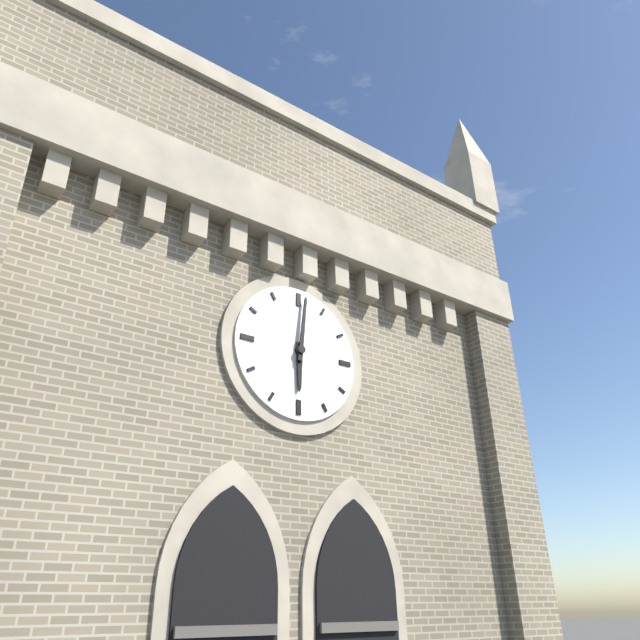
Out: {"hour": 6, "minute": 1}
